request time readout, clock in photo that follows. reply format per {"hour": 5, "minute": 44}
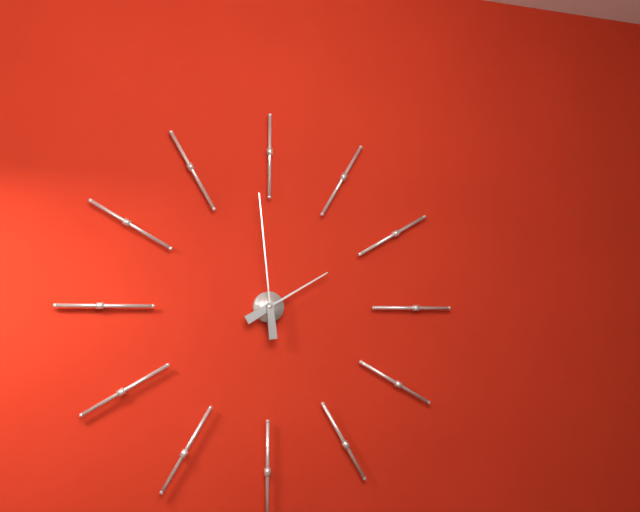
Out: {"hour": 1, "minute": 59}
